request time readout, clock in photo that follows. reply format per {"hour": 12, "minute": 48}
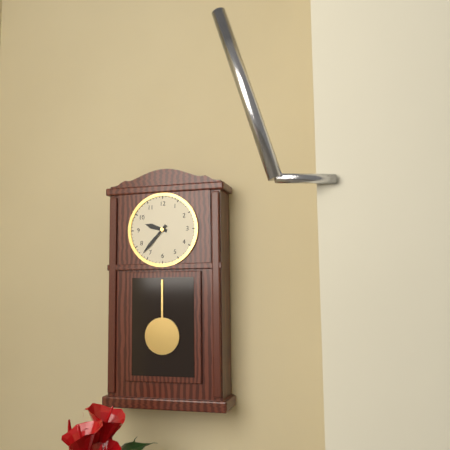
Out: {"hour": 9, "minute": 37}
